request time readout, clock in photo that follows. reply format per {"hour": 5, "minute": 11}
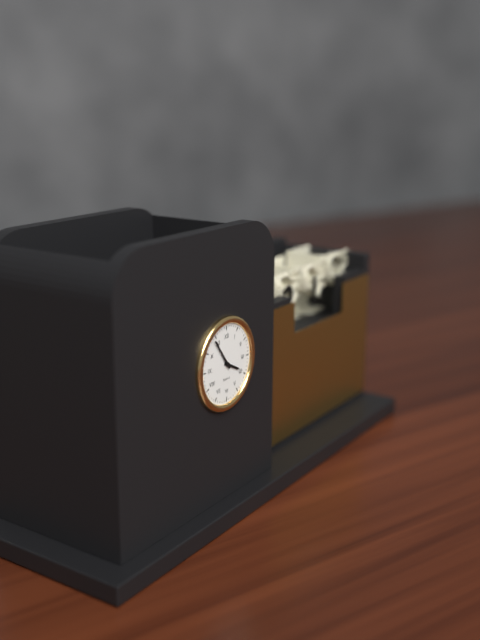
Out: {"hour": 3, "minute": 54}
